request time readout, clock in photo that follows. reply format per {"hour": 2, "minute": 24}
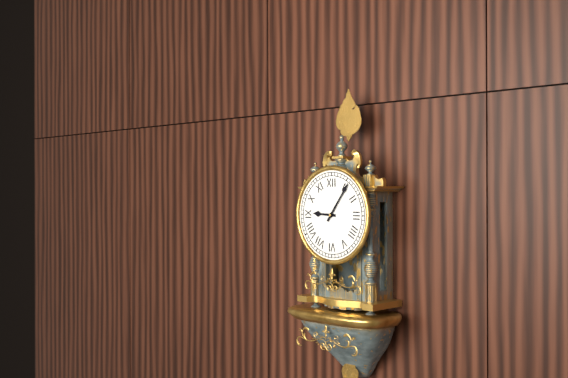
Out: {"hour": 9, "minute": 6}
